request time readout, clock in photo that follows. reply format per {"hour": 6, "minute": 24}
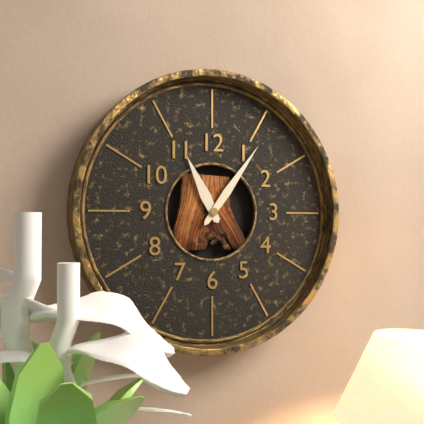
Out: {"hour": 11, "minute": 6}
